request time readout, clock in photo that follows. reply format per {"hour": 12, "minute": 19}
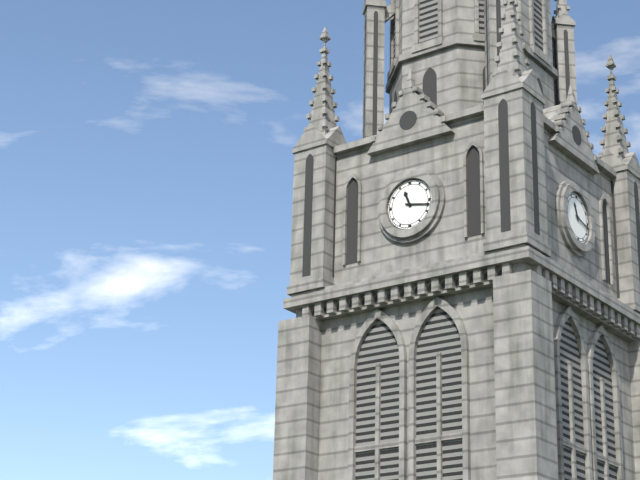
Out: {"hour": 11, "minute": 17}
